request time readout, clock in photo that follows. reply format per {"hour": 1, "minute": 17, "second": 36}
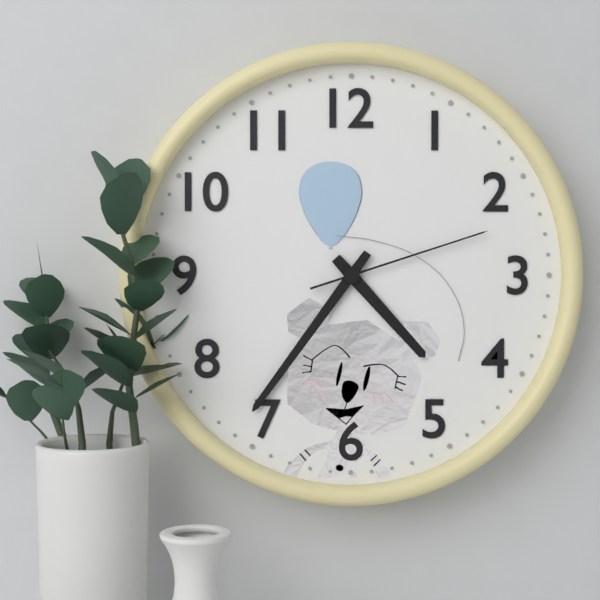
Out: {"hour": 4, "minute": 36, "second": 12}
